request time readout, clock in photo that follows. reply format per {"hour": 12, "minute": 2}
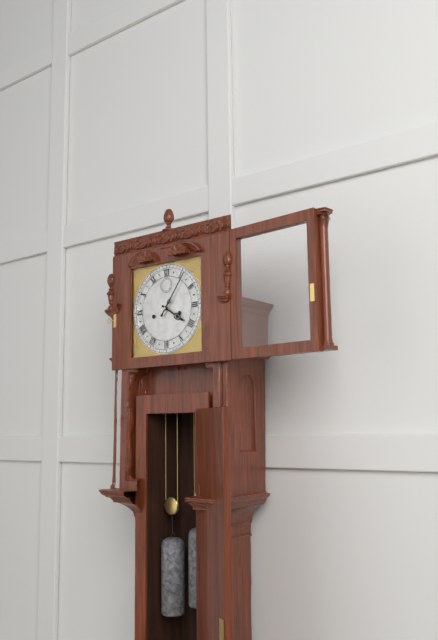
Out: {"hour": 4, "minute": 6}
